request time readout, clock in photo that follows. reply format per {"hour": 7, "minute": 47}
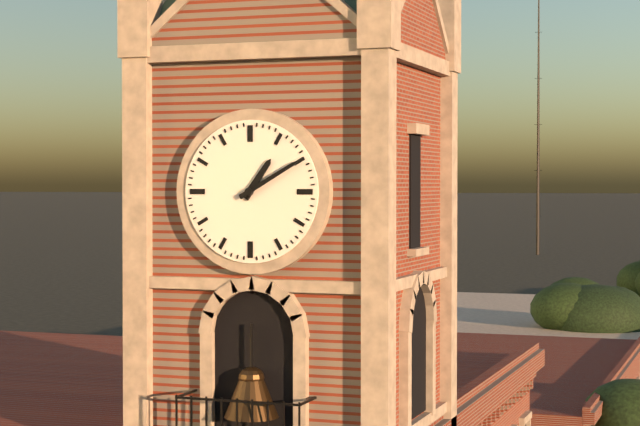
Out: {"hour": 1, "minute": 10}
